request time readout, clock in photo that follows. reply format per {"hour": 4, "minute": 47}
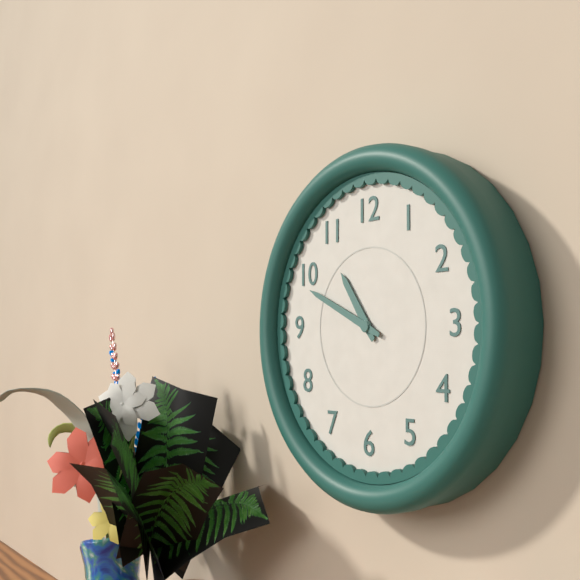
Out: {"hour": 10, "minute": 49}
